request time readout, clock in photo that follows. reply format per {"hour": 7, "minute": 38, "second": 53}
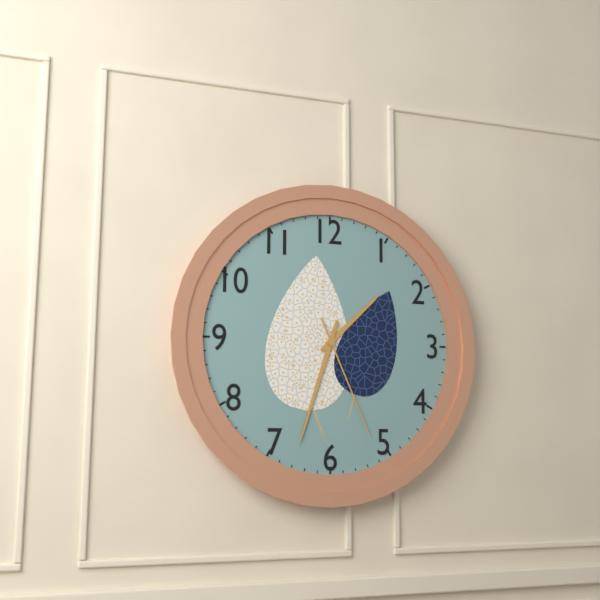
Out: {"hour": 1, "minute": 33, "second": 26}
